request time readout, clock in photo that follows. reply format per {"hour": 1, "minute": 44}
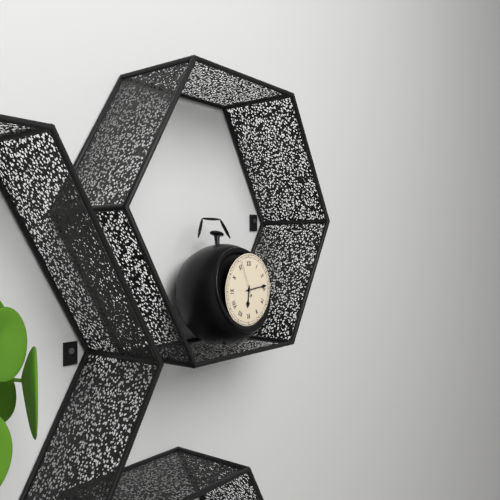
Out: {"hour": 6, "minute": 14}
